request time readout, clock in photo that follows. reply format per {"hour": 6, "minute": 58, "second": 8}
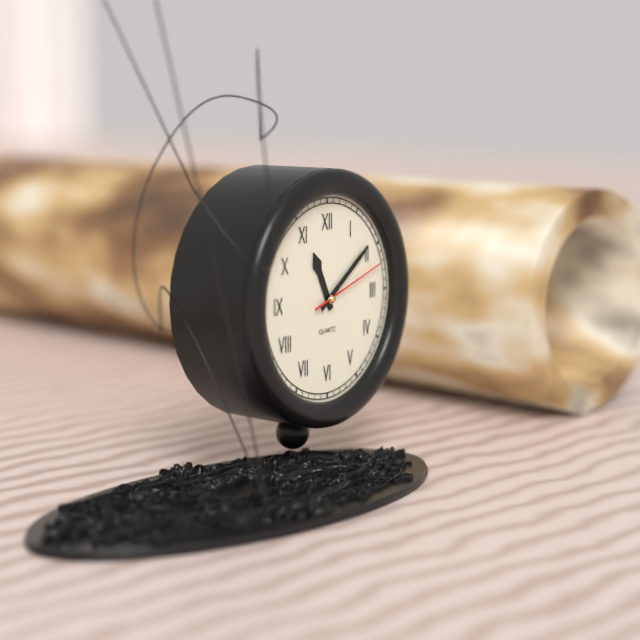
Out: {"hour": 11, "minute": 9, "second": 12}
